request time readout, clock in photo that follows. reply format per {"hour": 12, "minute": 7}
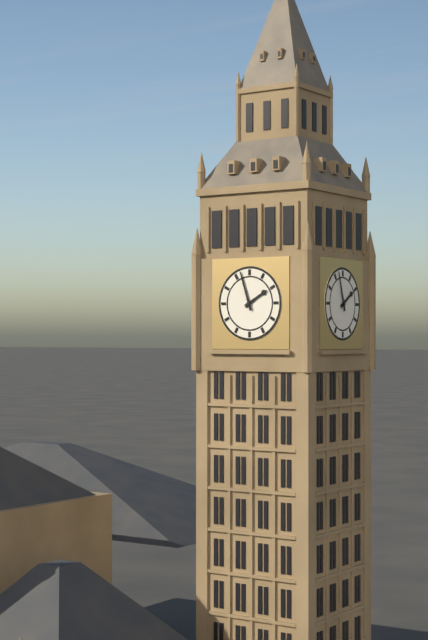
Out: {"hour": 1, "minute": 57}
